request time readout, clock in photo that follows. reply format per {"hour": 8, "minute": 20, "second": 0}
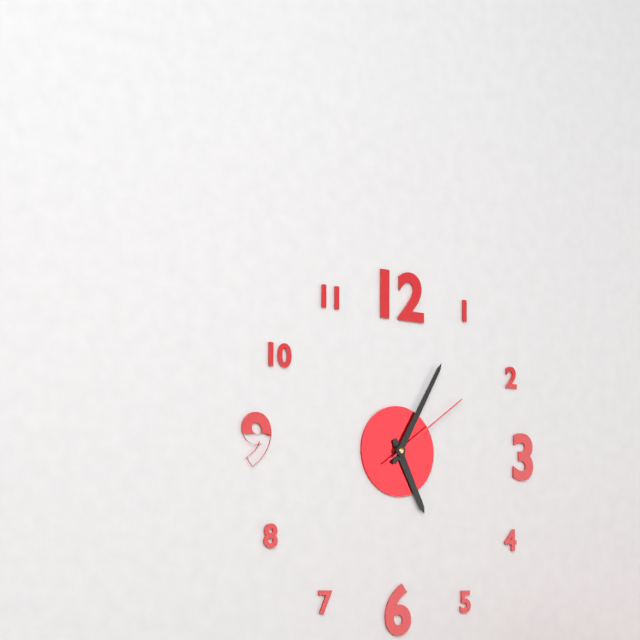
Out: {"hour": 5, "minute": 5, "second": 9}
